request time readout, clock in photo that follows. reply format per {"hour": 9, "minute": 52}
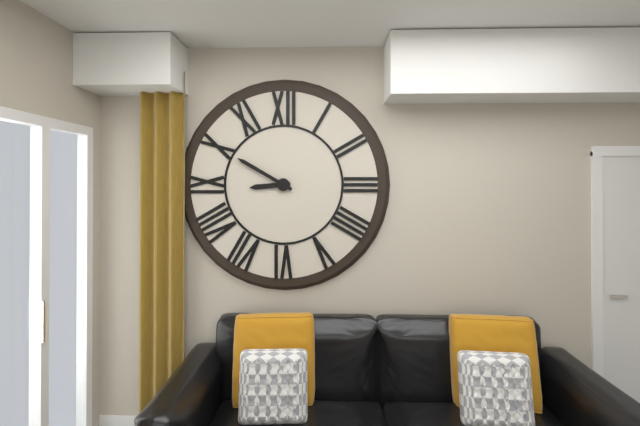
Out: {"hour": 8, "minute": 50}
